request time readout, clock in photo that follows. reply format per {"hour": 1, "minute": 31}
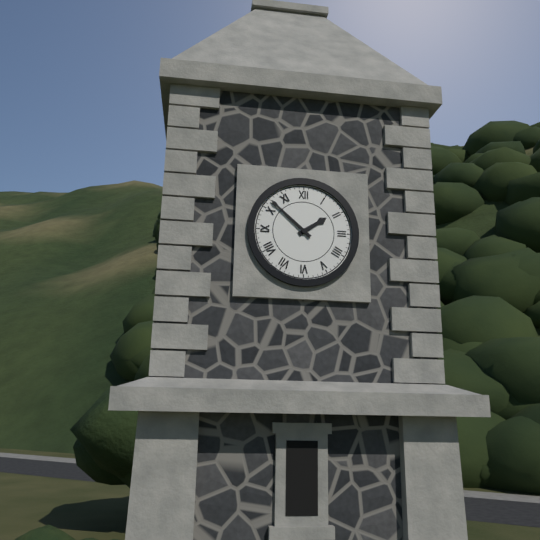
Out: {"hour": 1, "minute": 52}
